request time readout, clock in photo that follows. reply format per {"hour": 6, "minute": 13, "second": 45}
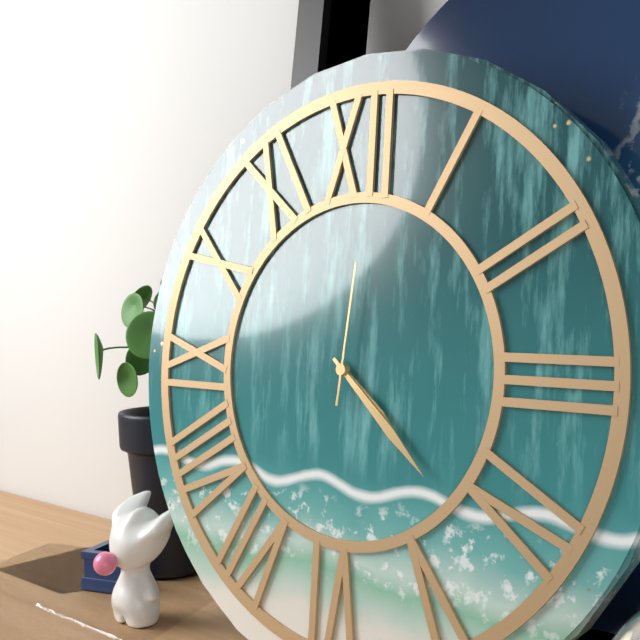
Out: {"hour": 4, "minute": 22, "second": 1}
